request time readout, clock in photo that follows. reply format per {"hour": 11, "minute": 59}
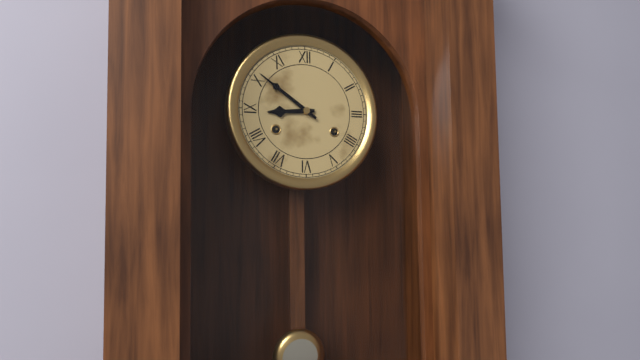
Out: {"hour": 8, "minute": 51}
